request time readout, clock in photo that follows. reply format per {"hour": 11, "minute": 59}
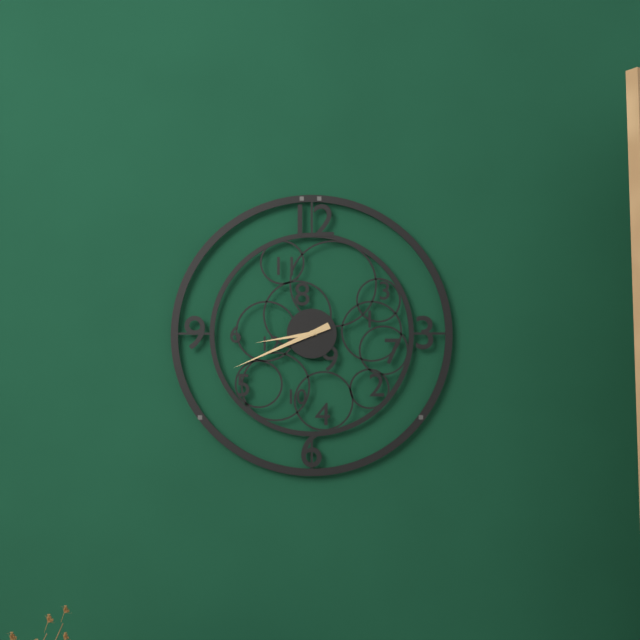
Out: {"hour": 8, "minute": 41}
